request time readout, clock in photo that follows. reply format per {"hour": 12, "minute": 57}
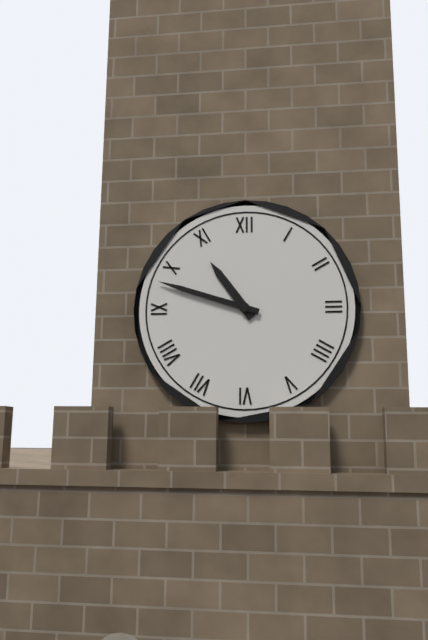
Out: {"hour": 10, "minute": 48}
